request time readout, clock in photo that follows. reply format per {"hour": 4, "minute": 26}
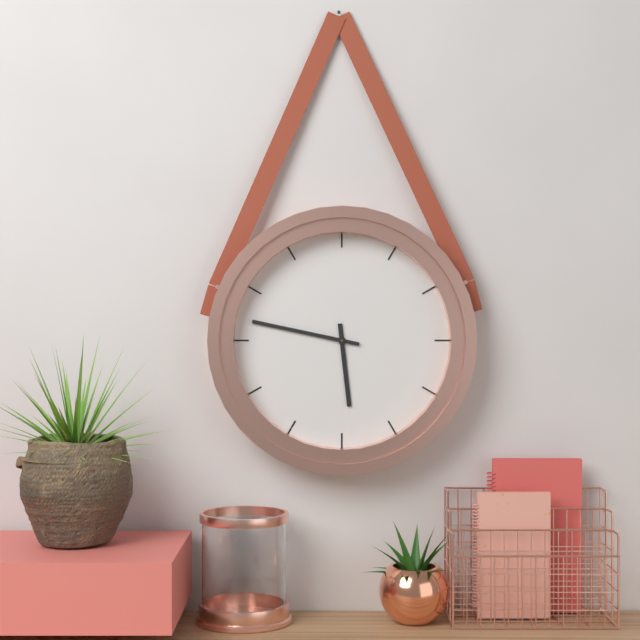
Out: {"hour": 5, "minute": 47}
